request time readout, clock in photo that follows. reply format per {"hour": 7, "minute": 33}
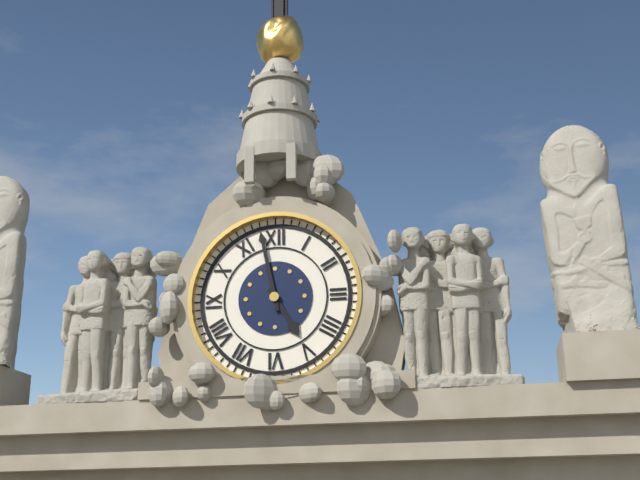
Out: {"hour": 4, "minute": 58}
